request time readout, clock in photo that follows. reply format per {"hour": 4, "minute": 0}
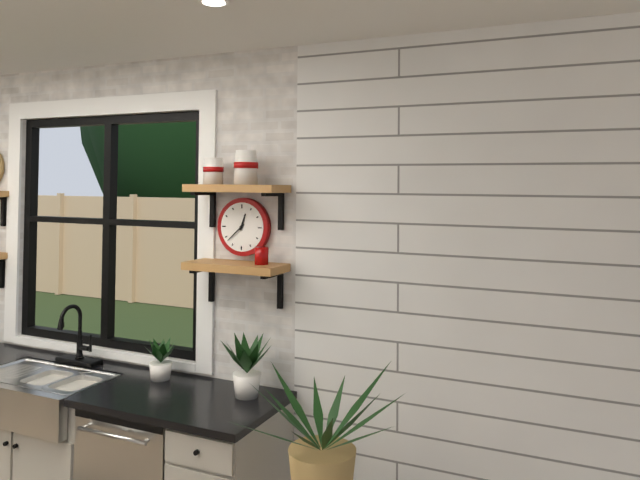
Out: {"hour": 12, "minute": 38}
